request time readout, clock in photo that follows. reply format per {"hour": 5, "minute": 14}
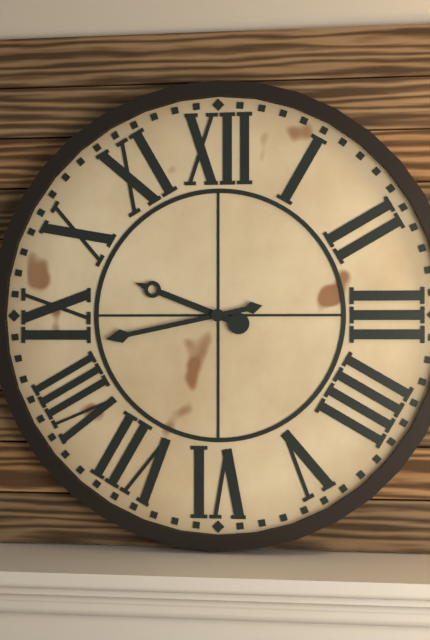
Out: {"hour": 9, "minute": 43}
